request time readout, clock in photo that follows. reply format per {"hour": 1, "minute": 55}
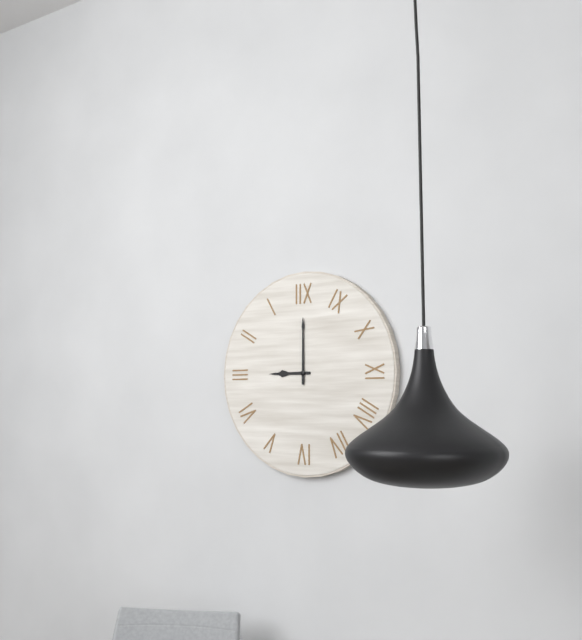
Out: {"hour": 9, "minute": 0}
